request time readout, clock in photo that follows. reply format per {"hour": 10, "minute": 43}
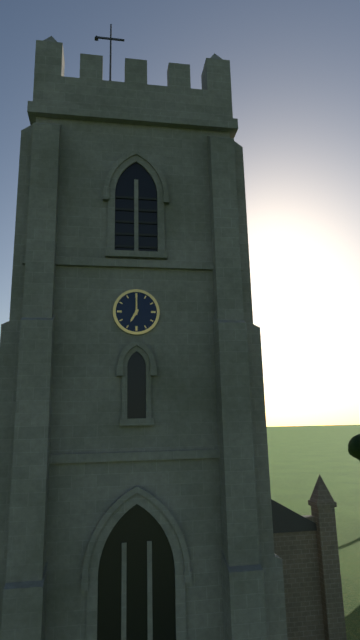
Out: {"hour": 7, "minute": 0}
